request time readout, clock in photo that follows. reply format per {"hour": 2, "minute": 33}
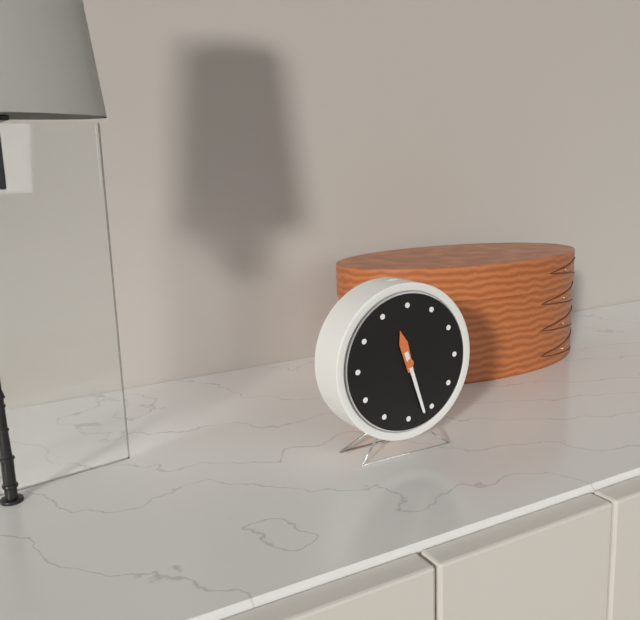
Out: {"hour": 11, "minute": 27}
